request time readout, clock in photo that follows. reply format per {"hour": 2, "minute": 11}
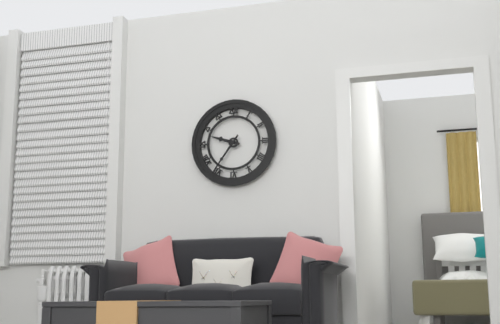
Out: {"hour": 9, "minute": 36}
